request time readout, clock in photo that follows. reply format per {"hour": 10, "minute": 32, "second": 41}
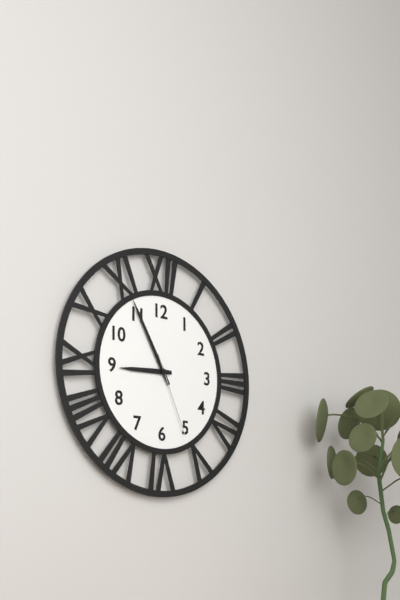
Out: {"hour": 8, "minute": 55, "second": 26}
